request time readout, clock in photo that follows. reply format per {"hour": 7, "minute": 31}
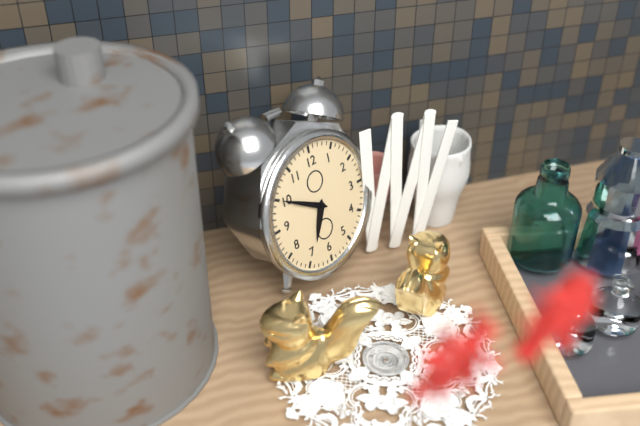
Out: {"hour": 6, "minute": 50}
